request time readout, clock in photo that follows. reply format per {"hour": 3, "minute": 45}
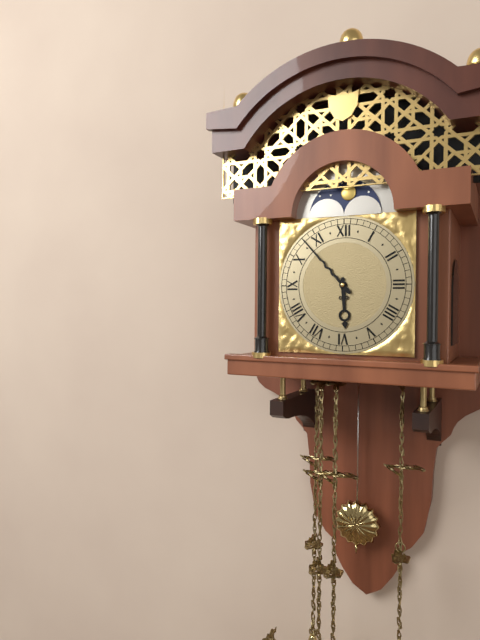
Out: {"hour": 5, "minute": 53}
